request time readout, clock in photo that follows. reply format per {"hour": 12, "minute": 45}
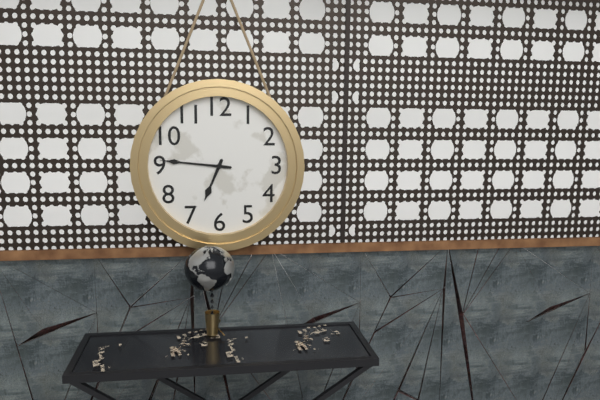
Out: {"hour": 6, "minute": 46}
